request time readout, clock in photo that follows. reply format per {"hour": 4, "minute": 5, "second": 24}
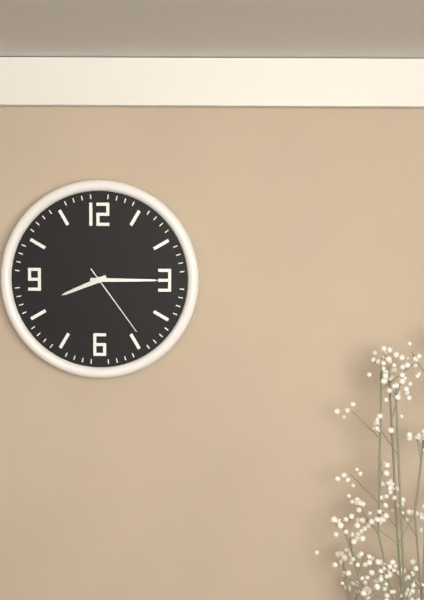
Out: {"hour": 8, "minute": 15, "second": 24}
